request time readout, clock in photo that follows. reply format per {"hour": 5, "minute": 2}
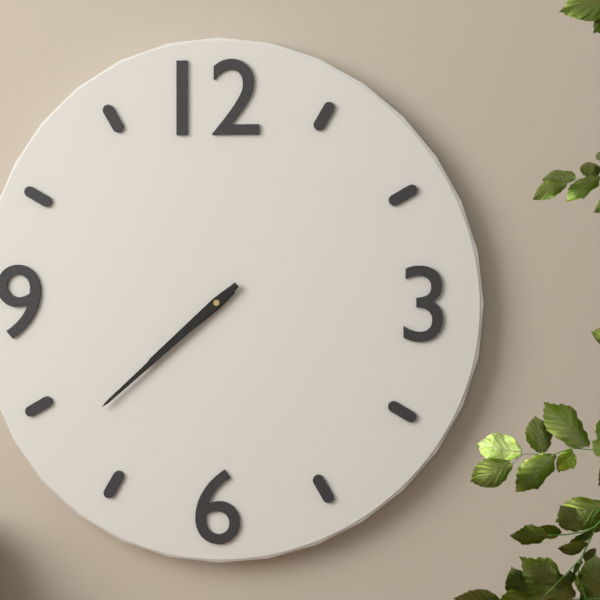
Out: {"hour": 7, "minute": 38}
